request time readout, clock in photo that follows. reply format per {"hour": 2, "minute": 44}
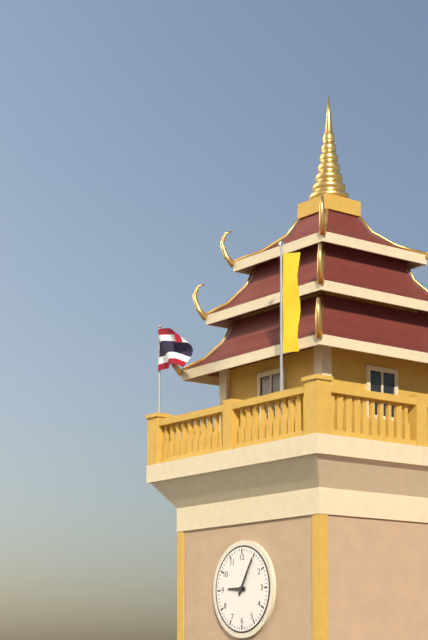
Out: {"hour": 9, "minute": 5}
